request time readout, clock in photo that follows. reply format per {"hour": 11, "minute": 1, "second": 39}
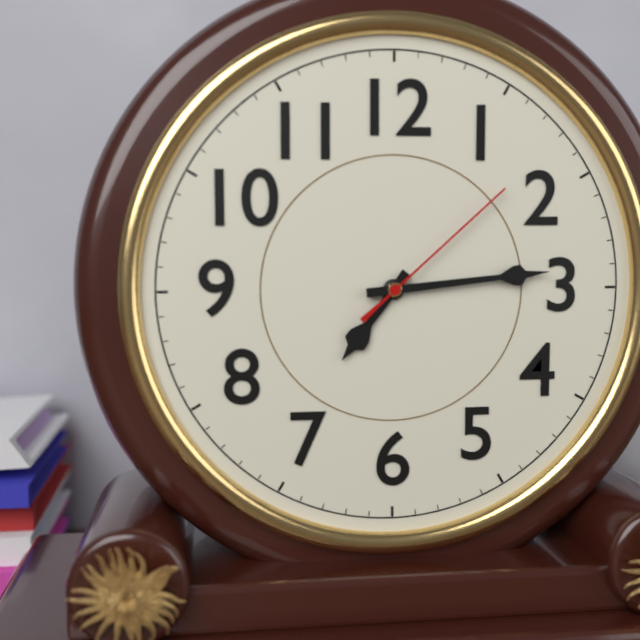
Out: {"hour": 7, "minute": 14, "second": 8}
